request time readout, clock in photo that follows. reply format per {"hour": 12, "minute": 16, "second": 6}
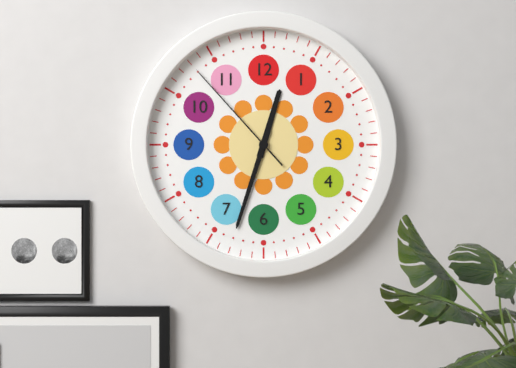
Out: {"hour": 12, "minute": 33, "second": 53}
